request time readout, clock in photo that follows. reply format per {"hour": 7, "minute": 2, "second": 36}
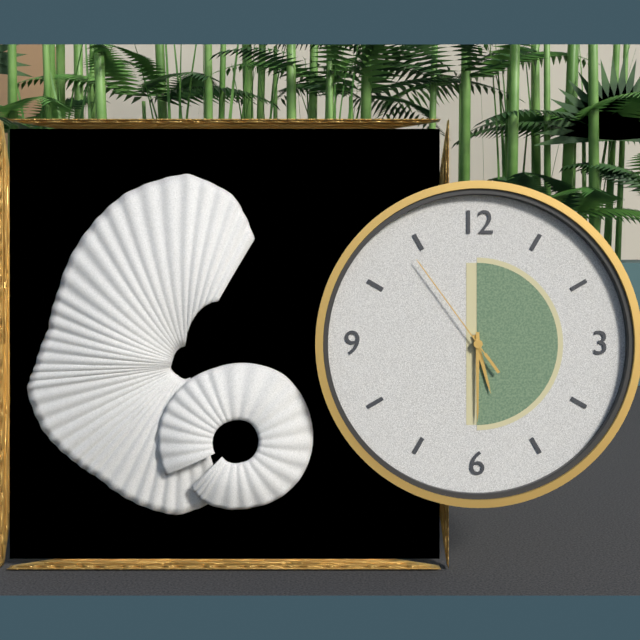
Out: {"hour": 5, "minute": 30, "second": 54}
